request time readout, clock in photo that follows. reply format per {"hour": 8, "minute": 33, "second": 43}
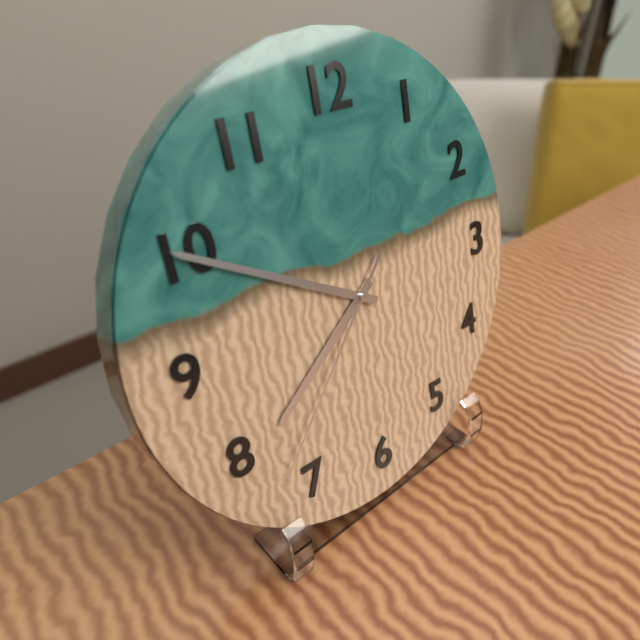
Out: {"hour": 7, "minute": 50, "second": 37}
